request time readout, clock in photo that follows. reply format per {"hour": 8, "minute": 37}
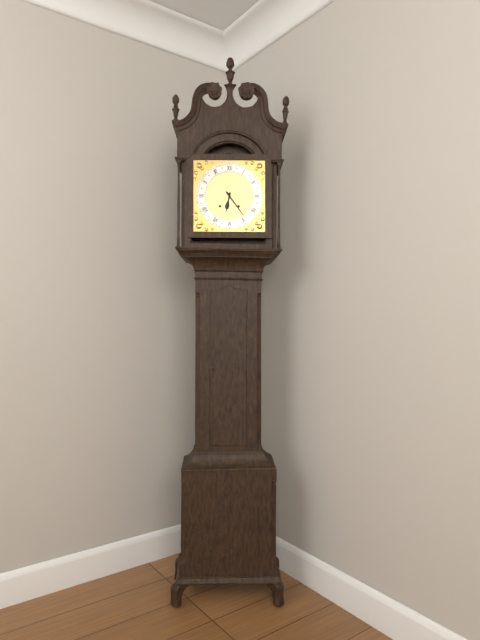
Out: {"hour": 6, "minute": 24}
